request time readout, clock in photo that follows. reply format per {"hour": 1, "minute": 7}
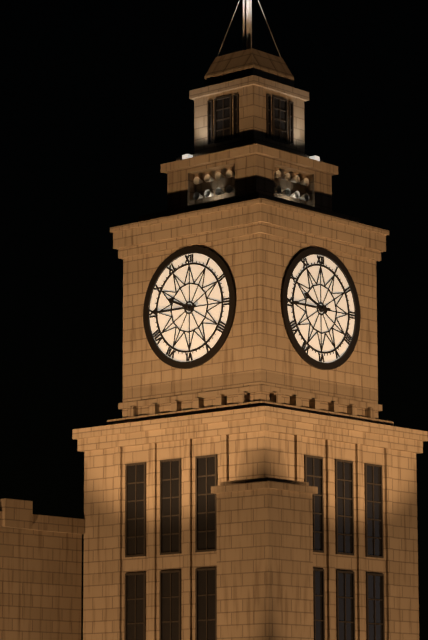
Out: {"hour": 9, "minute": 45}
